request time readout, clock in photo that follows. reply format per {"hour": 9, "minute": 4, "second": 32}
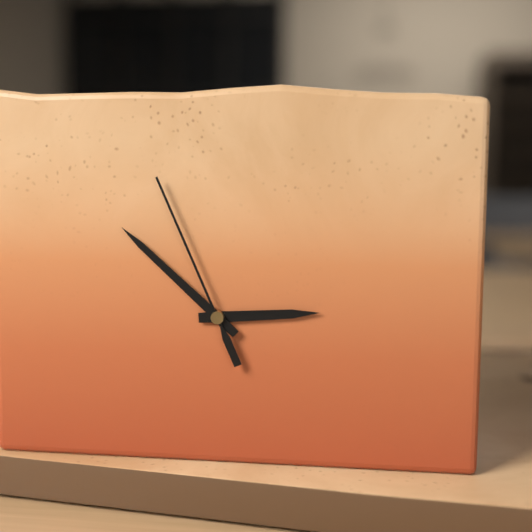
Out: {"hour": 2, "minute": 52, "second": 56}
